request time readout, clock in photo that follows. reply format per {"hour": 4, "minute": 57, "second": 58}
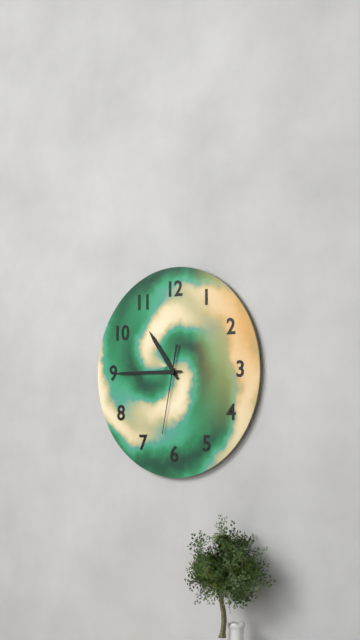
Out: {"hour": 10, "minute": 45, "second": 32}
